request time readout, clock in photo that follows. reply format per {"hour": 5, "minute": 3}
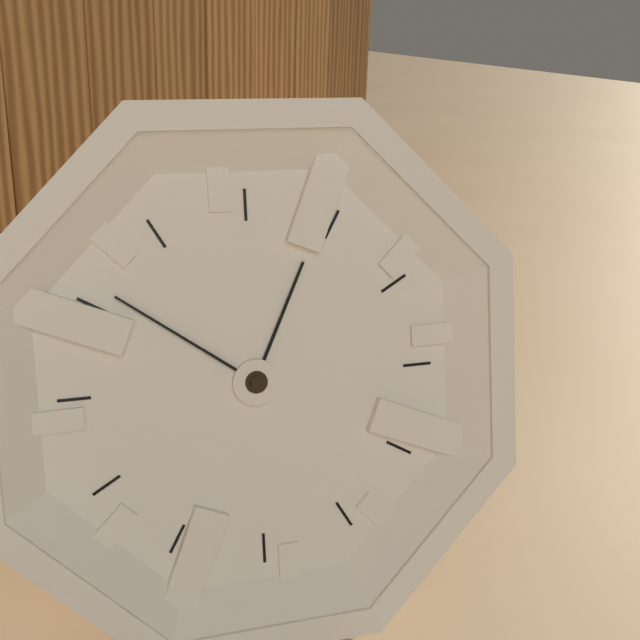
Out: {"hour": 12, "minute": 51}
